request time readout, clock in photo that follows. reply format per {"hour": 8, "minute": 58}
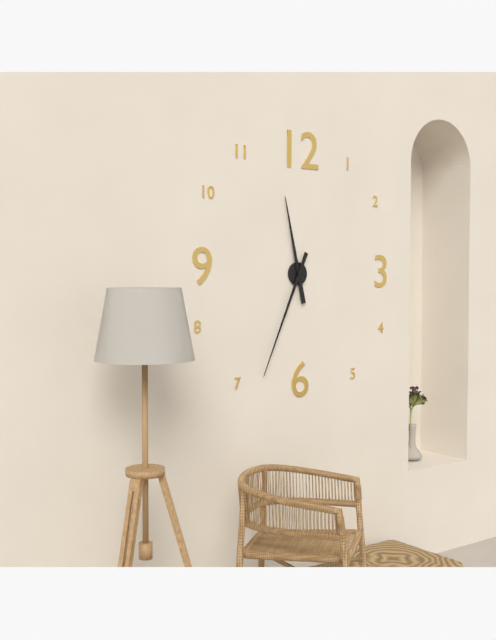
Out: {"hour": 11, "minute": 34}
